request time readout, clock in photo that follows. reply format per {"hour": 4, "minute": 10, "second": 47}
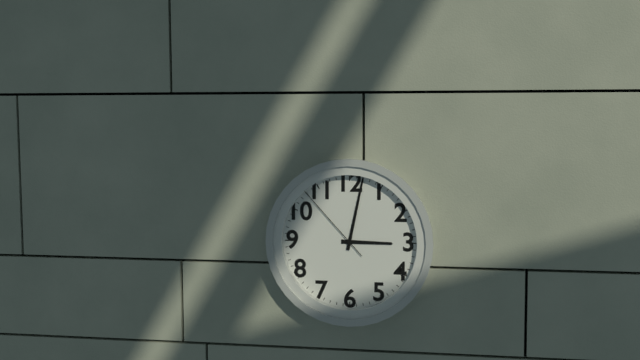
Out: {"hour": 3, "minute": 2, "second": 53}
